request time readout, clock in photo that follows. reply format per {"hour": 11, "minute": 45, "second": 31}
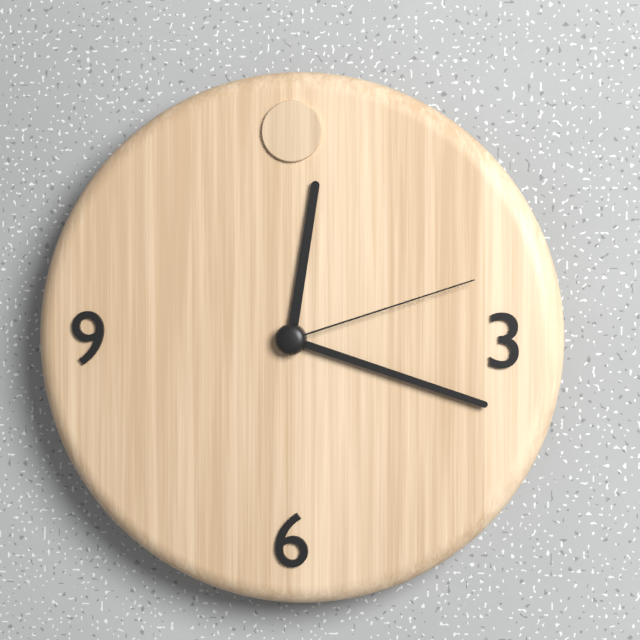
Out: {"hour": 12, "minute": 18, "second": 12}
